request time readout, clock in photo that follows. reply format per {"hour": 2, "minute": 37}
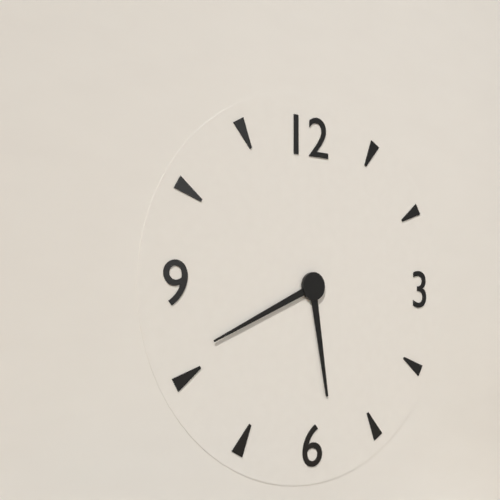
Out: {"hour": 5, "minute": 41}
